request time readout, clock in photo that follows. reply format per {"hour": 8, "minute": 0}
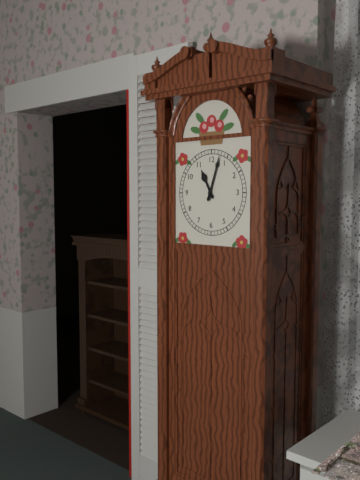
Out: {"hour": 11, "minute": 3}
